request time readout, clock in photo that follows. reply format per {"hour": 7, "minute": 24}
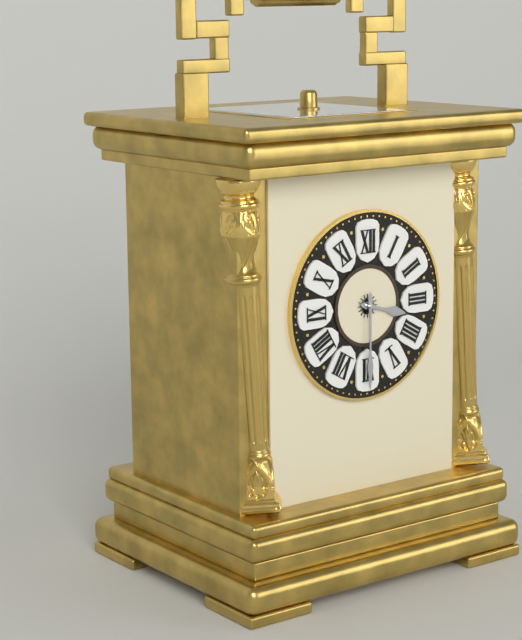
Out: {"hour": 3, "minute": 30}
